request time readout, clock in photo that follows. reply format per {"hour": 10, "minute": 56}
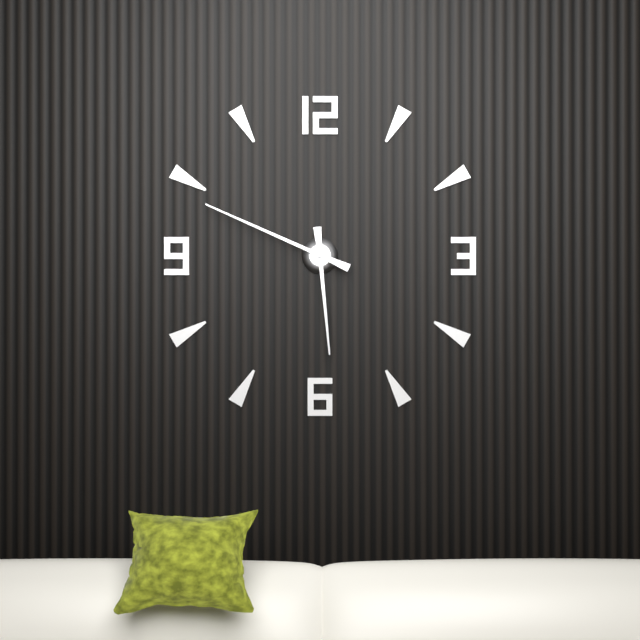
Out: {"hour": 5, "minute": 49}
